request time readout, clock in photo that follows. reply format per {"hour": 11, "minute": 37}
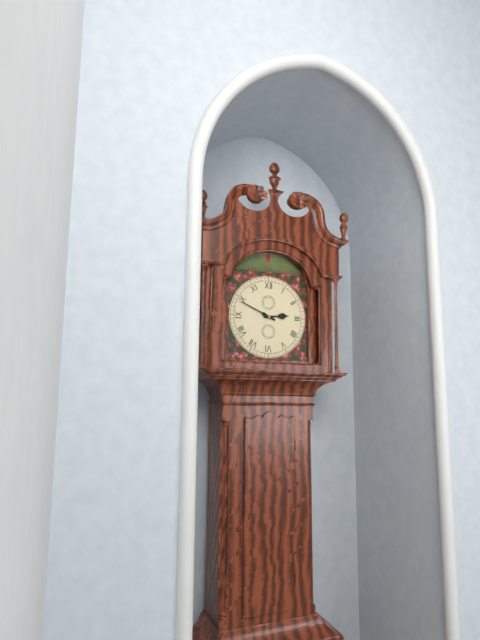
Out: {"hour": 2, "minute": 49}
